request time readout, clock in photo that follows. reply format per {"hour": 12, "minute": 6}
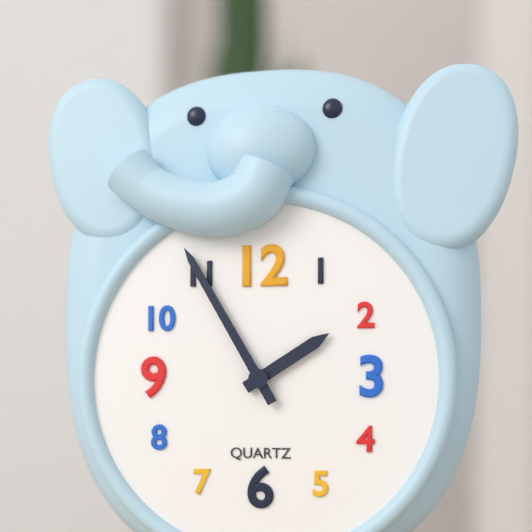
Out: {"hour": 1, "minute": 55}
